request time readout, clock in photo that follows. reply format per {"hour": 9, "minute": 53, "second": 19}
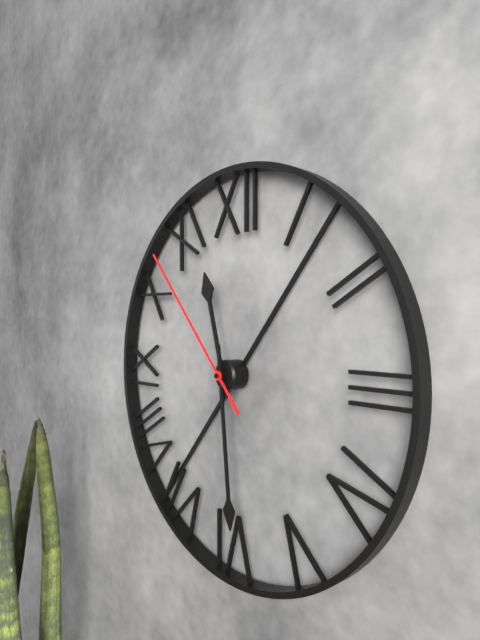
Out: {"hour": 11, "minute": 29, "second": 53}
